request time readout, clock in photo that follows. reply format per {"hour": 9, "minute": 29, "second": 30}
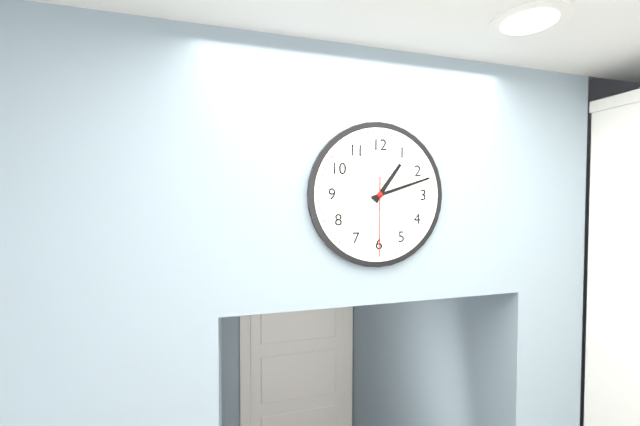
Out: {"hour": 1, "minute": 12, "second": 30}
